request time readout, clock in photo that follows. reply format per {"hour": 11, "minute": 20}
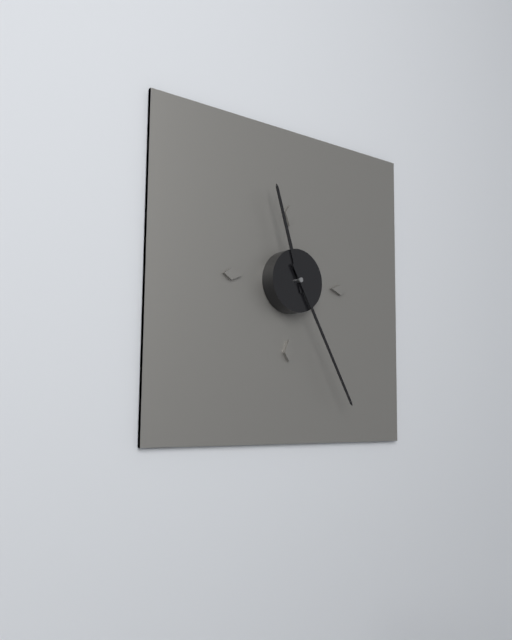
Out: {"hour": 11, "minute": 25}
